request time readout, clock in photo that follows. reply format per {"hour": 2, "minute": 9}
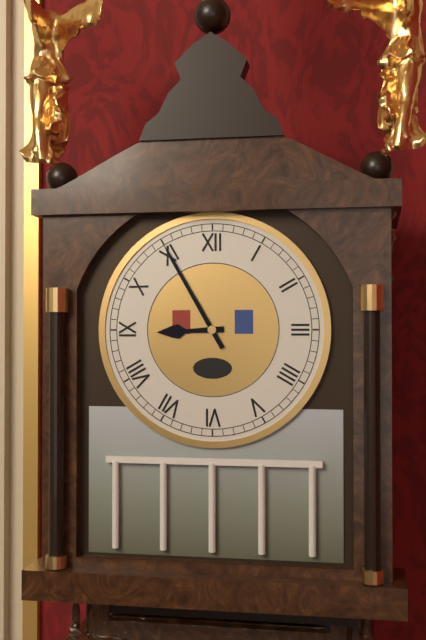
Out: {"hour": 8, "minute": 55}
